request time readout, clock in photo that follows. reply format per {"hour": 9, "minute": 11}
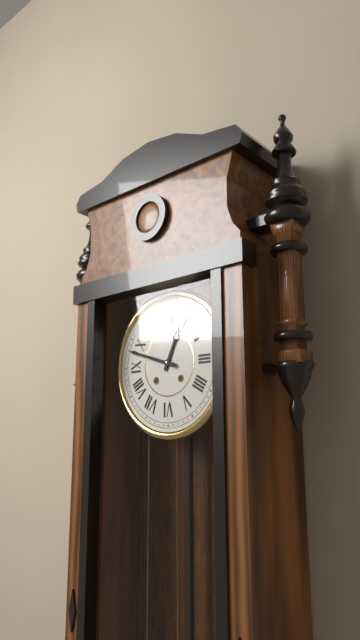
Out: {"hour": 12, "minute": 48}
